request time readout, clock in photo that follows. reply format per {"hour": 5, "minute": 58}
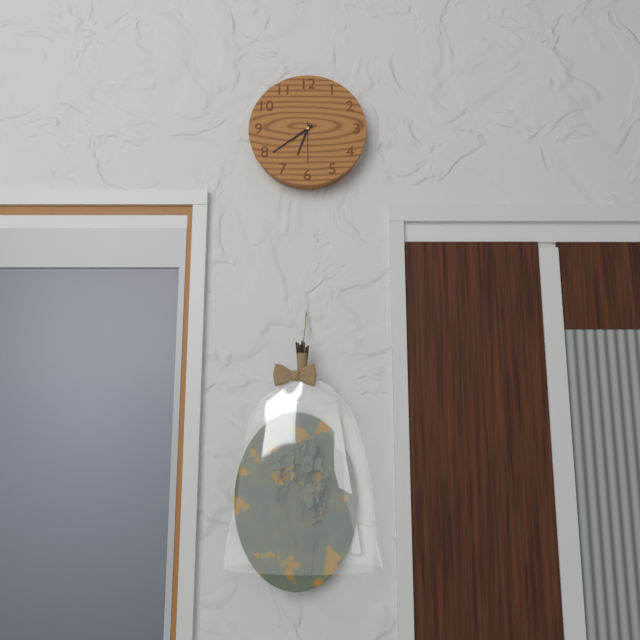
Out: {"hour": 6, "minute": 39}
